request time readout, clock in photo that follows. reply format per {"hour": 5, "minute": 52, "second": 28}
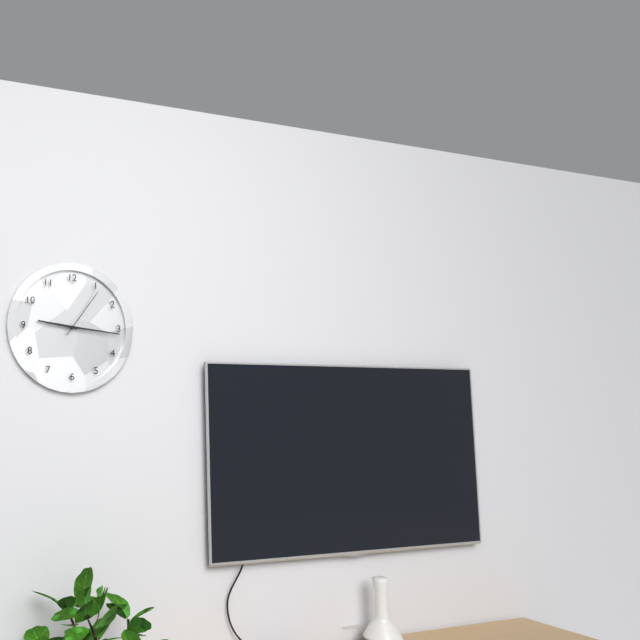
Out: {"hour": 9, "minute": 16, "second": 6}
